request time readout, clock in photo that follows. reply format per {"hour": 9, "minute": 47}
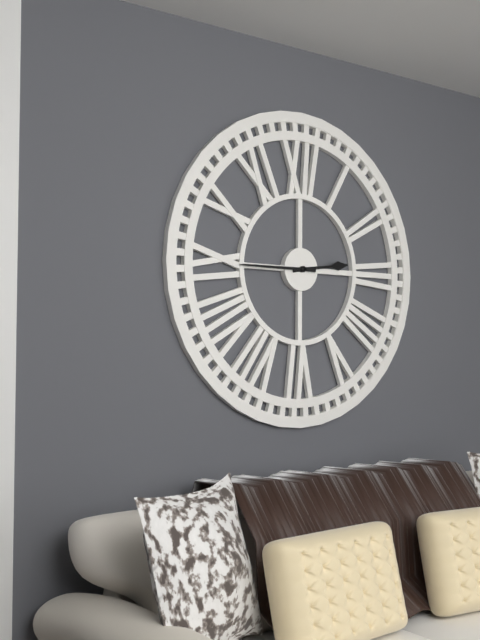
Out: {"hour": 2, "minute": 45}
